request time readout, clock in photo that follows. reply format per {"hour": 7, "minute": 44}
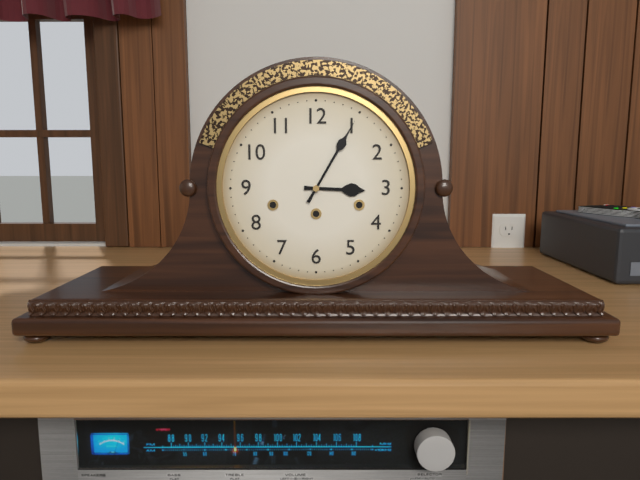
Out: {"hour": 3, "minute": 5}
